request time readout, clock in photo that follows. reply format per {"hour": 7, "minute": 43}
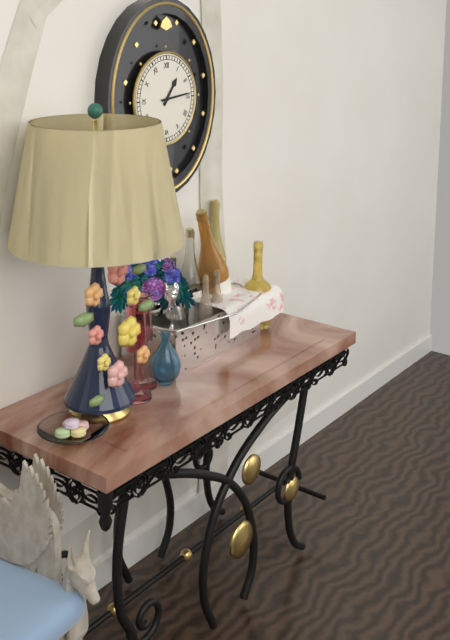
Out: {"hour": 1, "minute": 14}
